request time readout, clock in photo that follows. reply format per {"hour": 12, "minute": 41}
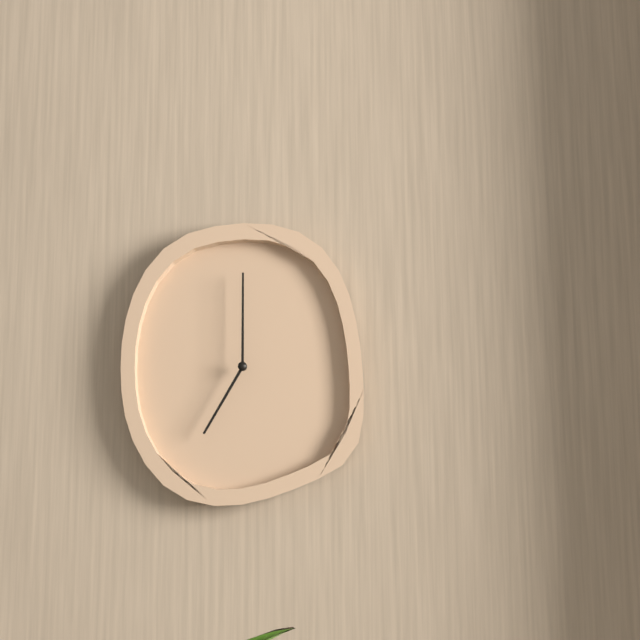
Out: {"hour": 7, "minute": 0}
